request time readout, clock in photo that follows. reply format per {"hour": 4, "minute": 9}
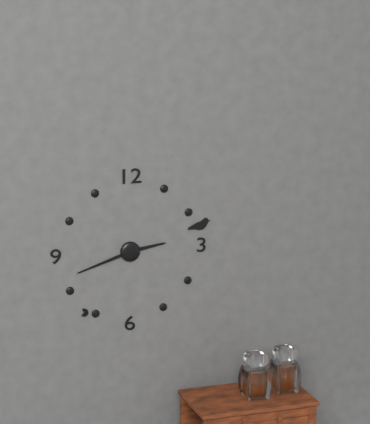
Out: {"hour": 2, "minute": 42}
